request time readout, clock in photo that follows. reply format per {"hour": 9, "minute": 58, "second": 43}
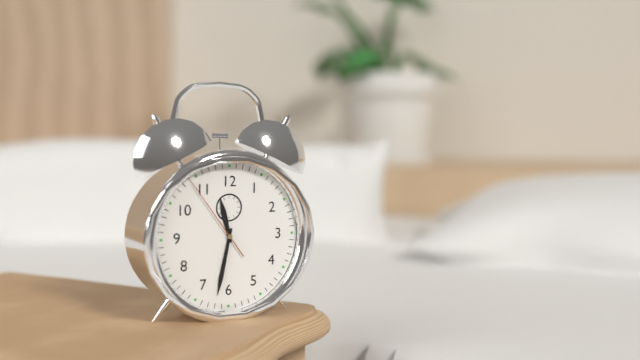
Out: {"hour": 11, "minute": 32, "second": 54}
